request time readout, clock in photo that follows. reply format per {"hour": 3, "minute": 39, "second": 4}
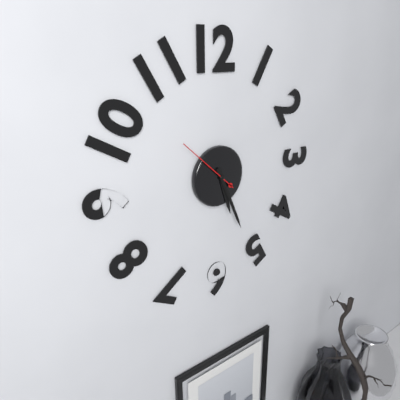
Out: {"hour": 5, "minute": 26, "second": 52}
